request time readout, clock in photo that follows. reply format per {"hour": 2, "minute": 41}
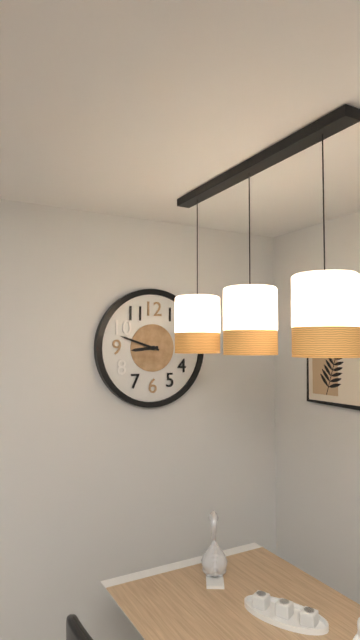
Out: {"hour": 8, "minute": 48}
